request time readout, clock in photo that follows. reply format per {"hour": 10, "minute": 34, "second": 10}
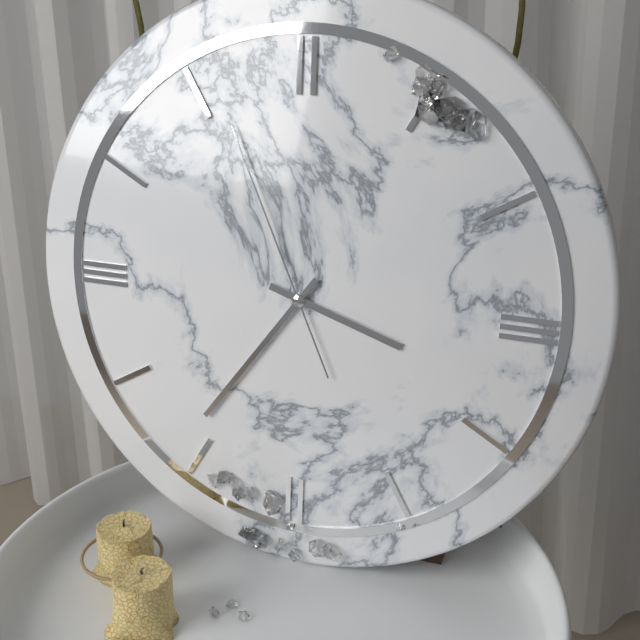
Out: {"hour": 3, "minute": 36, "second": 56}
